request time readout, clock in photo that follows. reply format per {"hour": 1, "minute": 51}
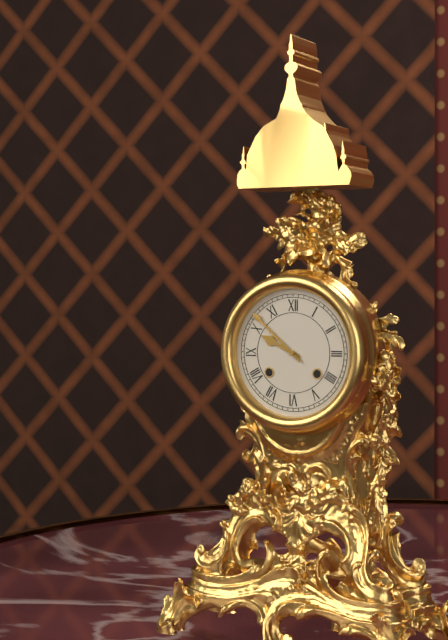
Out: {"hour": 9, "minute": 52}
